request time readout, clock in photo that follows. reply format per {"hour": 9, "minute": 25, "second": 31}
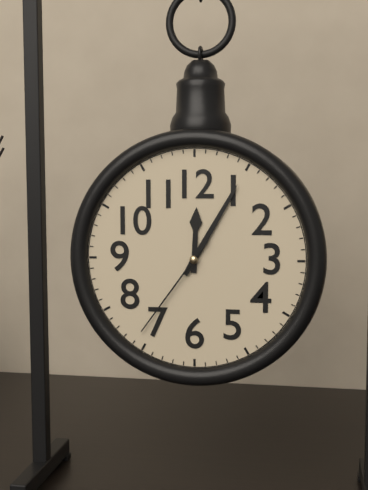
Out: {"hour": 12, "minute": 5, "second": 36}
